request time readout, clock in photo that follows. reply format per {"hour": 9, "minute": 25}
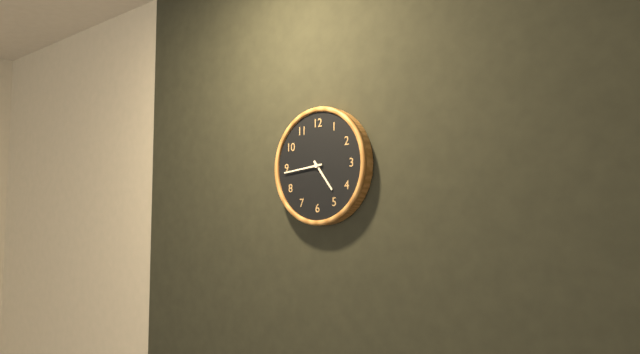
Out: {"hour": 4, "minute": 44}
